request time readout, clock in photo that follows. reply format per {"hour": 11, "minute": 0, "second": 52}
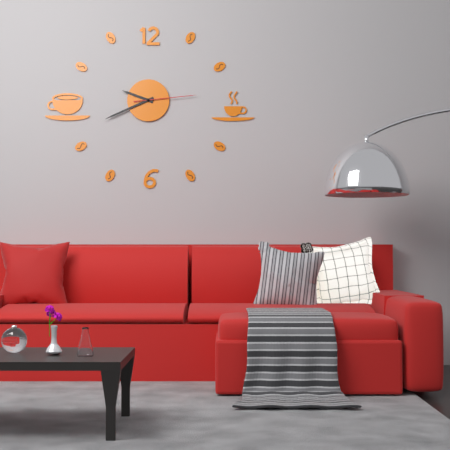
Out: {"hour": 9, "minute": 41, "second": 14}
